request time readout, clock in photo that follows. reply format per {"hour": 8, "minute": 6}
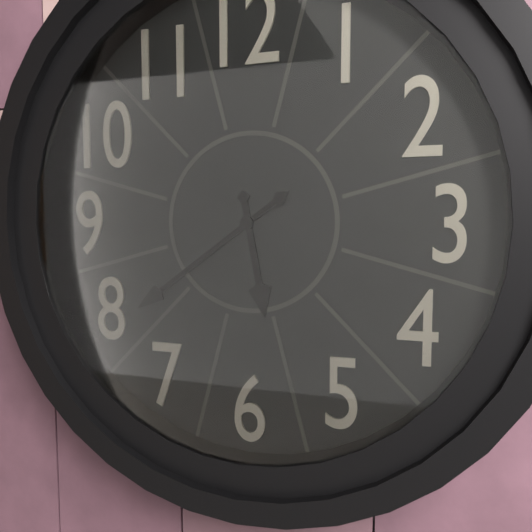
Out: {"hour": 5, "minute": 39}
